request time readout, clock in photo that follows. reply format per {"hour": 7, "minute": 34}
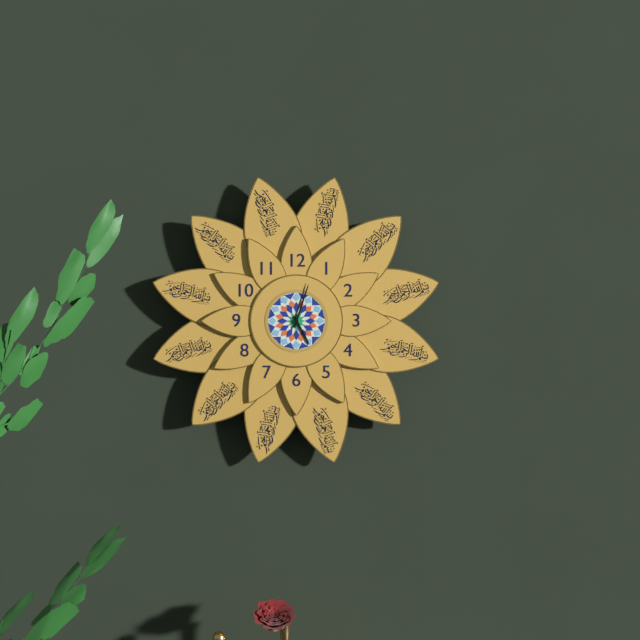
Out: {"hour": 5, "minute": 3}
